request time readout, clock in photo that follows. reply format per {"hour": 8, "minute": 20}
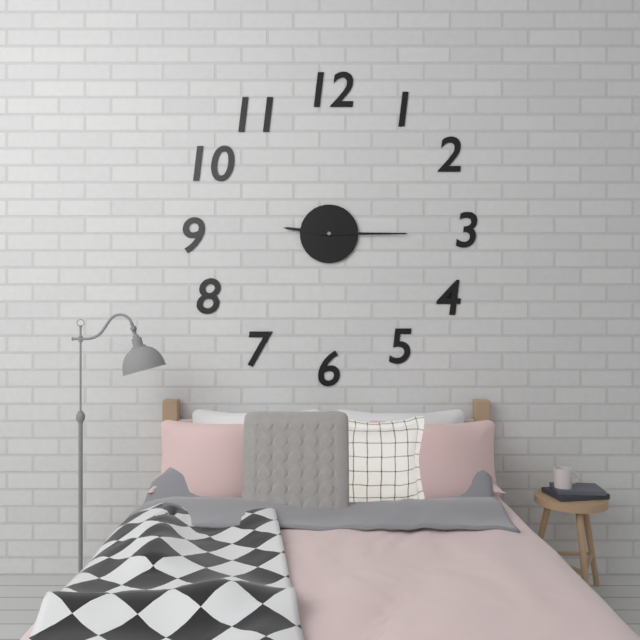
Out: {"hour": 9, "minute": 15}
